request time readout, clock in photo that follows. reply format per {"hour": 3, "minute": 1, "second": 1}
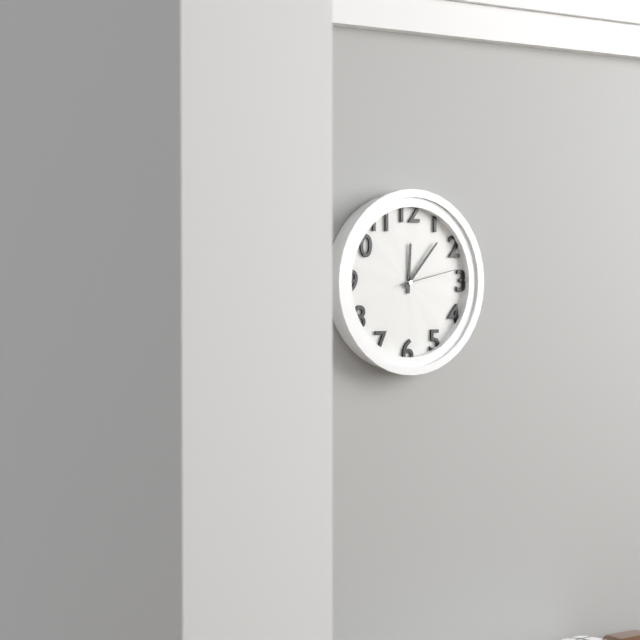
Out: {"hour": 12, "minute": 7, "second": 13}
